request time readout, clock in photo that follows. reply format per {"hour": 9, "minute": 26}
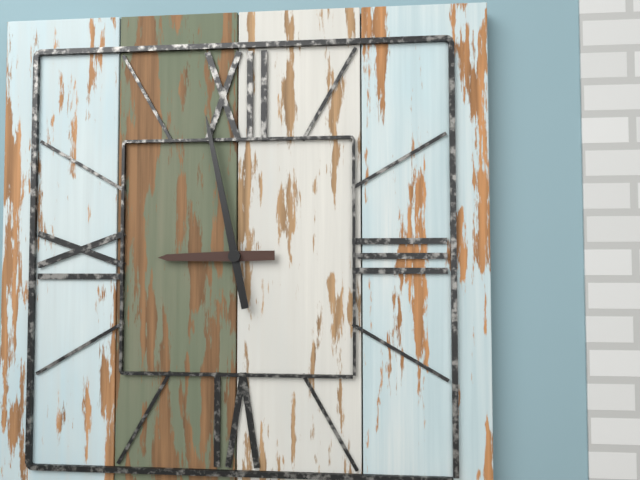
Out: {"hour": 8, "minute": 58}
